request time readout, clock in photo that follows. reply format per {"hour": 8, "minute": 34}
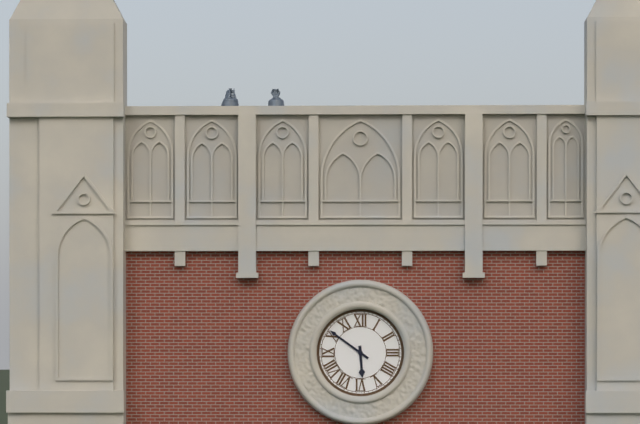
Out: {"hour": 5, "minute": 51}
